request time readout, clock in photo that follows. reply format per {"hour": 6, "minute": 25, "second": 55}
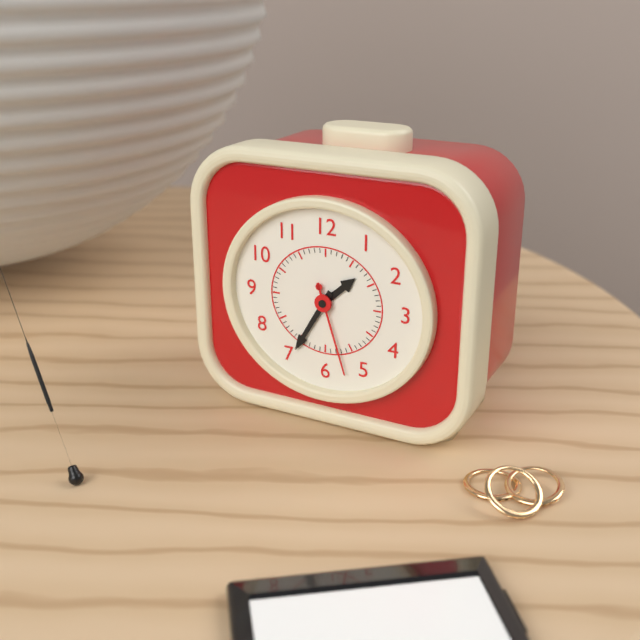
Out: {"hour": 1, "minute": 35, "second": 27}
